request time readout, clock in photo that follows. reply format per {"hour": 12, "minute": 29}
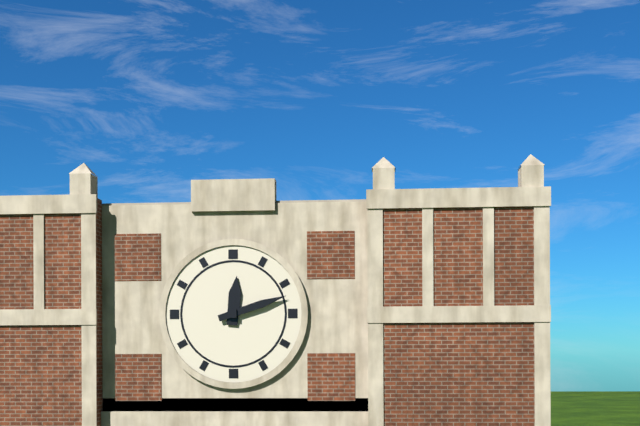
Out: {"hour": 12, "minute": 12}
